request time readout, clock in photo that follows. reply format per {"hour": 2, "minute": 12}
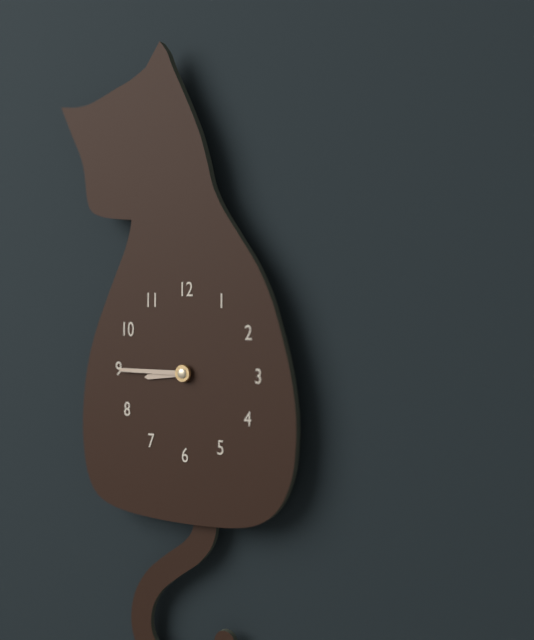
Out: {"hour": 8, "minute": 45}
